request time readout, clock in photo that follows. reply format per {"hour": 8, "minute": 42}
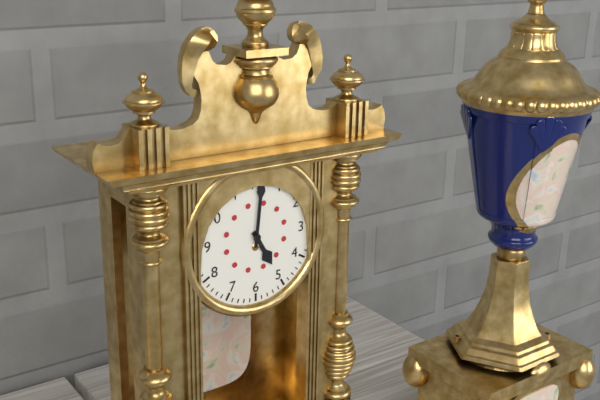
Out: {"hour": 5, "minute": 1}
